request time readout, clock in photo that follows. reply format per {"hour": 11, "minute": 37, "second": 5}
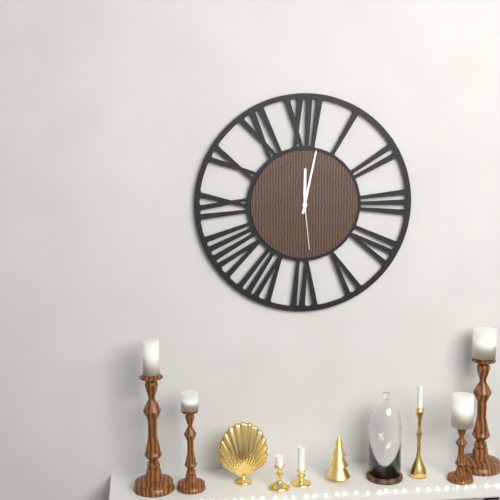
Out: {"hour": 12, "minute": 2, "second": 29}
